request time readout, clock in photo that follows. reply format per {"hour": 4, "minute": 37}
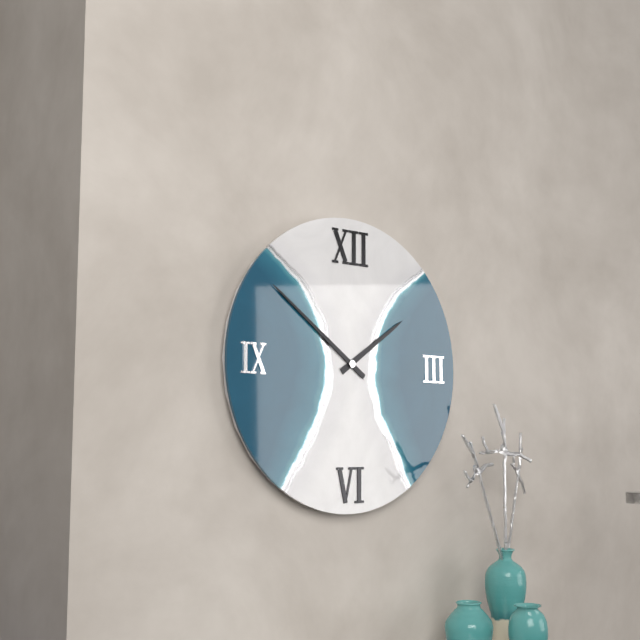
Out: {"hour": 1, "minute": 51}
